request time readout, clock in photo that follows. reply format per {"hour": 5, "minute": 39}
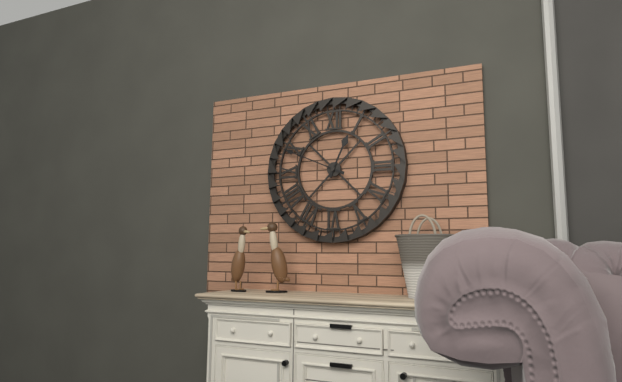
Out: {"hour": 12, "minute": 49}
